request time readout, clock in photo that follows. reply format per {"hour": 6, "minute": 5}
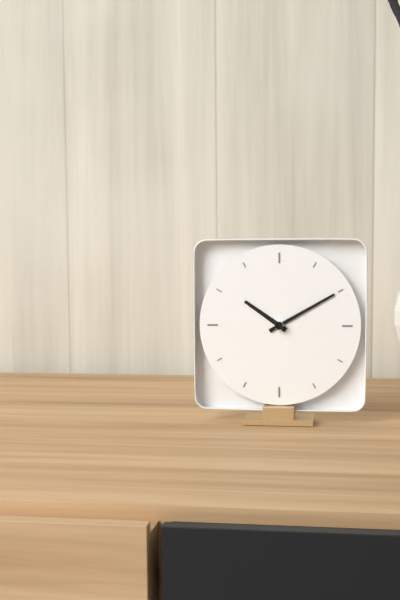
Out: {"hour": 10, "minute": 10}
